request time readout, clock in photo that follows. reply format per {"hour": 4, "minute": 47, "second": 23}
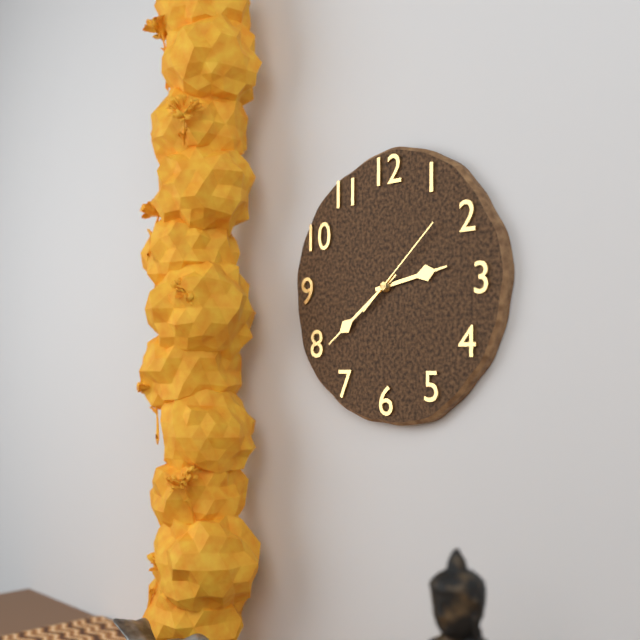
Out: {"hour": 2, "minute": 39, "second": 8}
